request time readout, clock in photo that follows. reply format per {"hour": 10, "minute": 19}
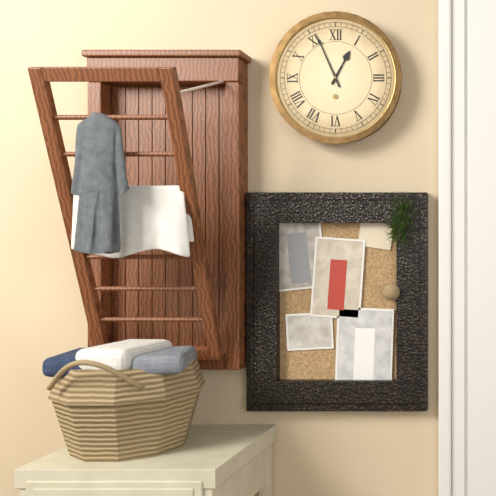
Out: {"hour": 12, "minute": 56}
